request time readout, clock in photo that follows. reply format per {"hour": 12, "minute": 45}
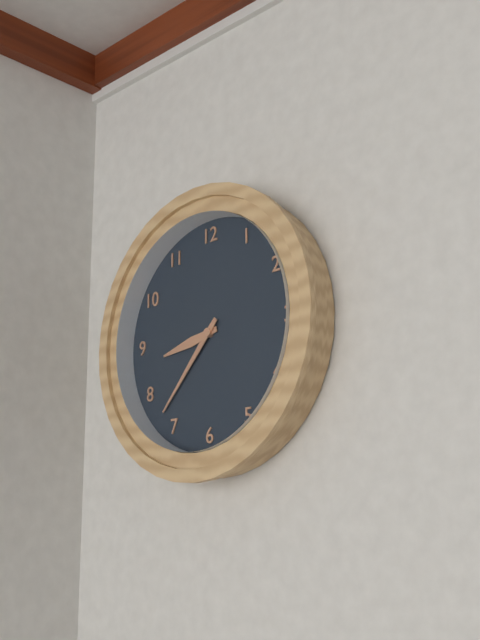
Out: {"hour": 8, "minute": 37}
